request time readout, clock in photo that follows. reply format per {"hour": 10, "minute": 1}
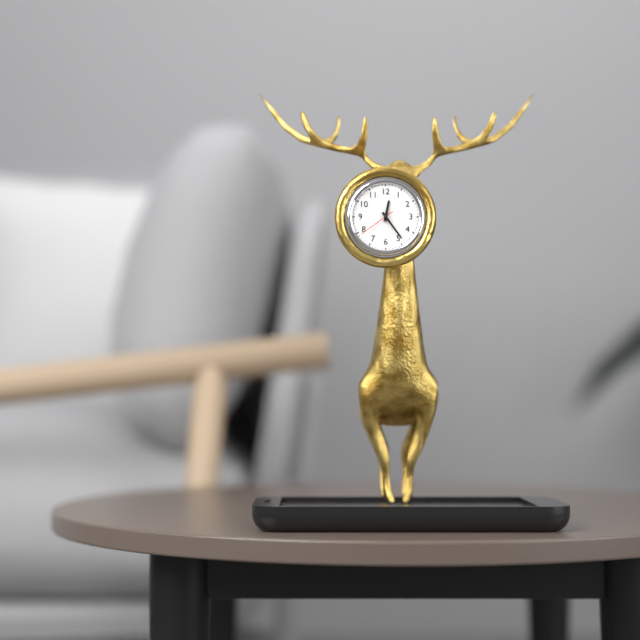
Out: {"hour": 12, "minute": 24}
